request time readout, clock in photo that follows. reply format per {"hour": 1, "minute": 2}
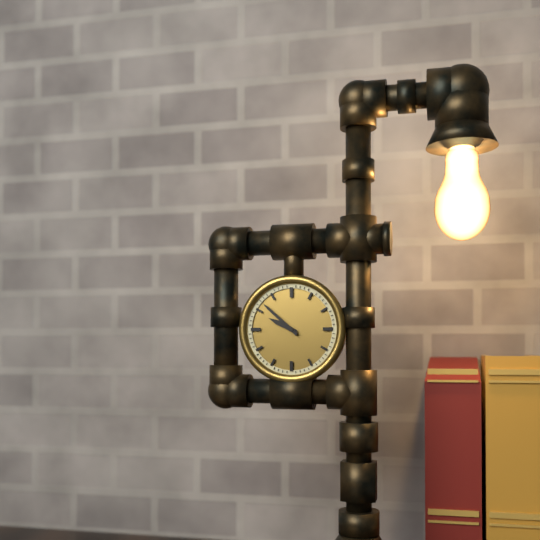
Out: {"hour": 9, "minute": 52}
